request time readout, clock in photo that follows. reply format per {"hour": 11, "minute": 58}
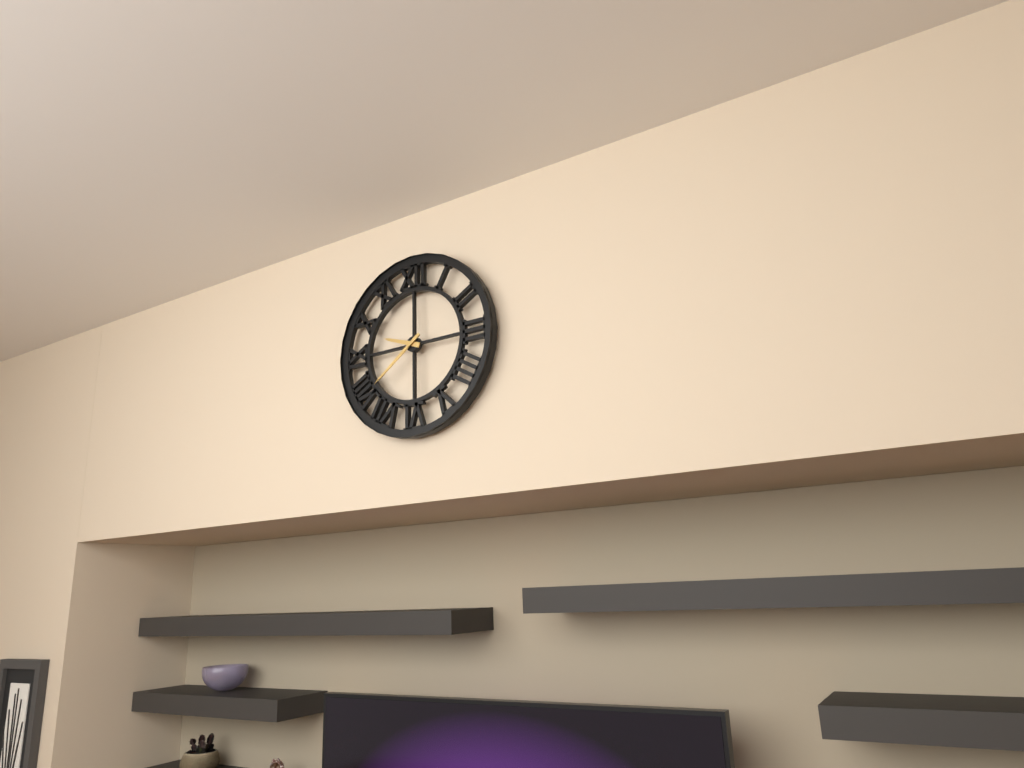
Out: {"hour": 9, "minute": 39}
